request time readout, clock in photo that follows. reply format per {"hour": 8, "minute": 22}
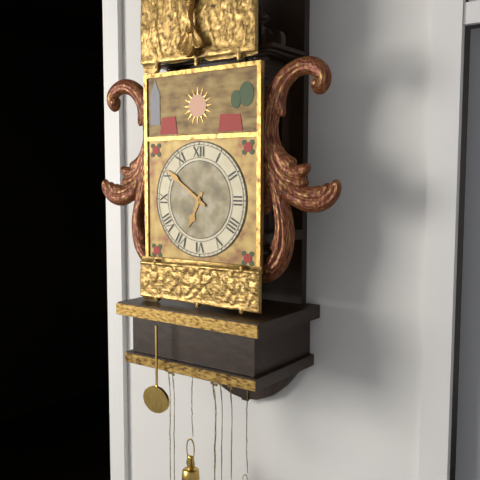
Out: {"hour": 6, "minute": 51}
